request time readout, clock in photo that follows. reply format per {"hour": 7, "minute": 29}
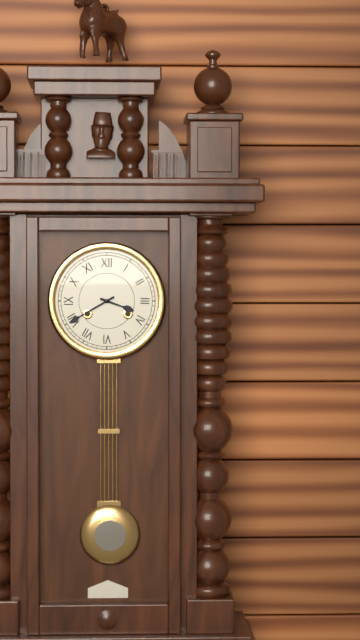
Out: {"hour": 3, "minute": 40}
